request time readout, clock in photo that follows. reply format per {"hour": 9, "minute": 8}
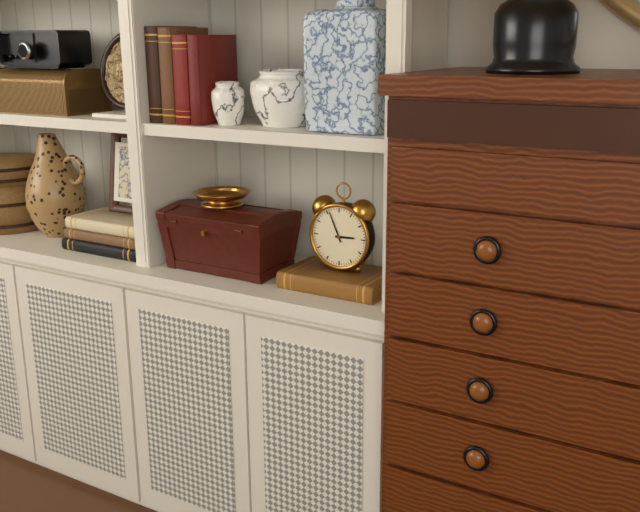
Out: {"hour": 2, "minute": 56}
